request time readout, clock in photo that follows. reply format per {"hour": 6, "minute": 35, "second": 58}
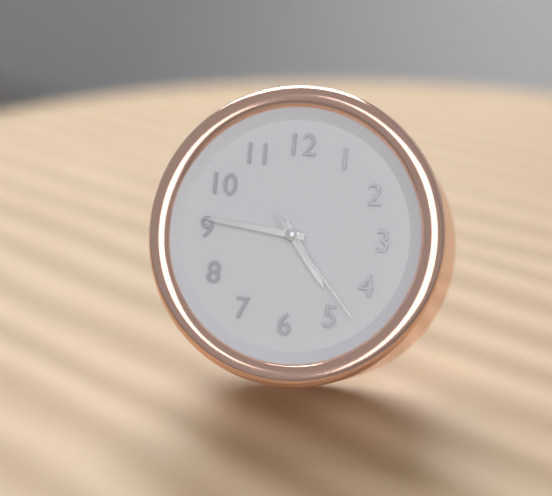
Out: {"hour": 4, "minute": 46, "second": 23}
